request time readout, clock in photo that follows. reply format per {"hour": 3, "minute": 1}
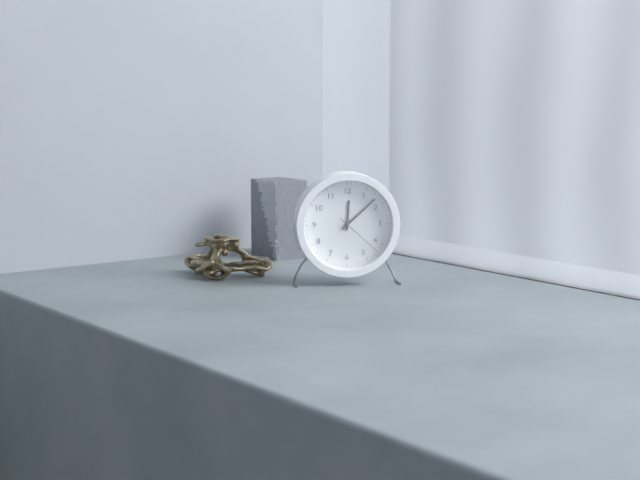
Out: {"hour": 12, "minute": 8}
